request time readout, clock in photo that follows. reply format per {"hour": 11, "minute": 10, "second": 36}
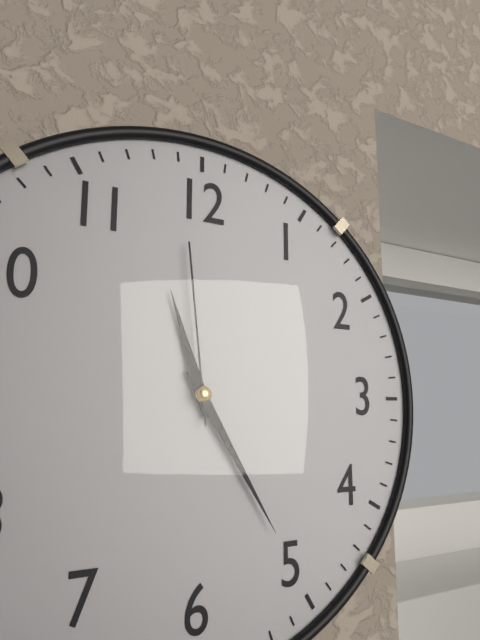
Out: {"hour": 11, "minute": 25, "second": 59}
